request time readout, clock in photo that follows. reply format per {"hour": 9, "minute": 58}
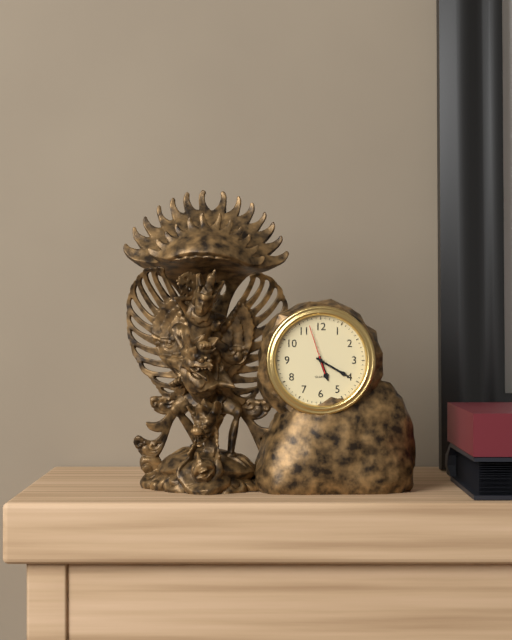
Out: {"hour": 5, "minute": 20}
